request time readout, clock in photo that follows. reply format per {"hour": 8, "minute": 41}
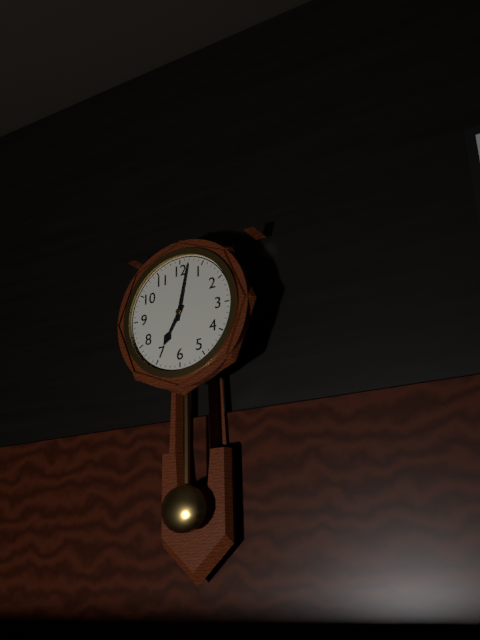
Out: {"hour": 7, "minute": 2}
